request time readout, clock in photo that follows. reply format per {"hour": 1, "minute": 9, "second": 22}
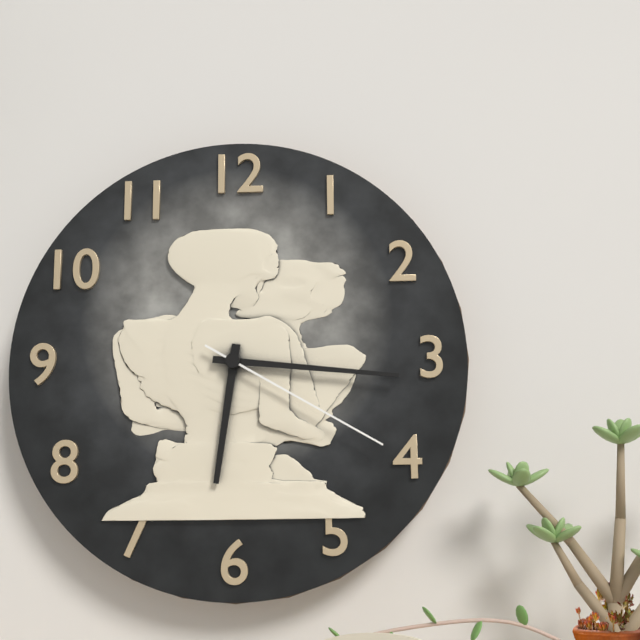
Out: {"hour": 6, "minute": 16, "second": 20}
